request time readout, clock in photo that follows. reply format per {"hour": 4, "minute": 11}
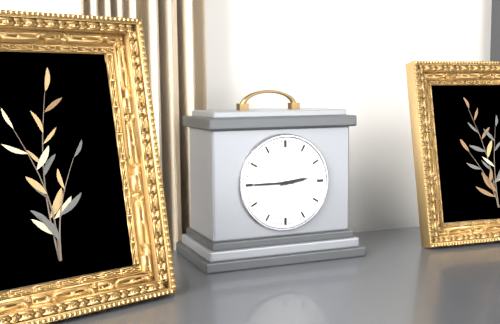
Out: {"hour": 2, "minute": 45}
